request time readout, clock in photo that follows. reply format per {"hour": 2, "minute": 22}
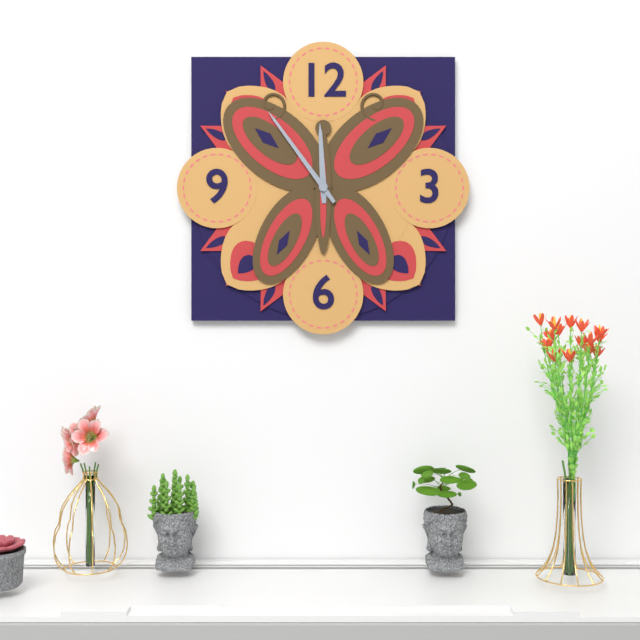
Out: {"hour": 11, "minute": 54}
